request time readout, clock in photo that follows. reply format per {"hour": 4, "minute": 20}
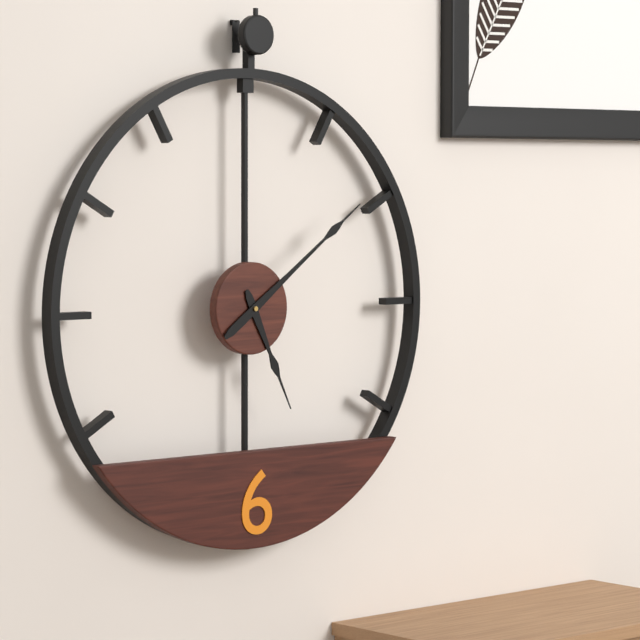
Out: {"hour": 5, "minute": 9}
